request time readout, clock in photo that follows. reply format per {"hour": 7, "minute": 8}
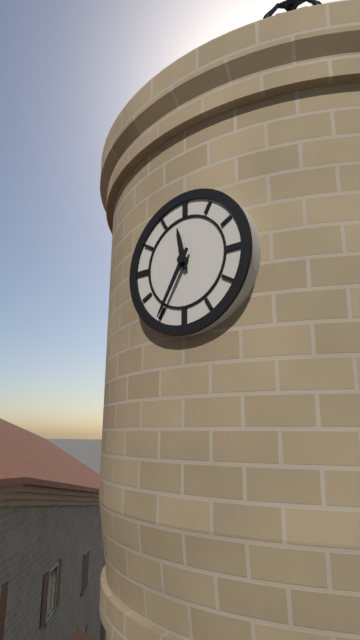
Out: {"hour": 11, "minute": 35}
